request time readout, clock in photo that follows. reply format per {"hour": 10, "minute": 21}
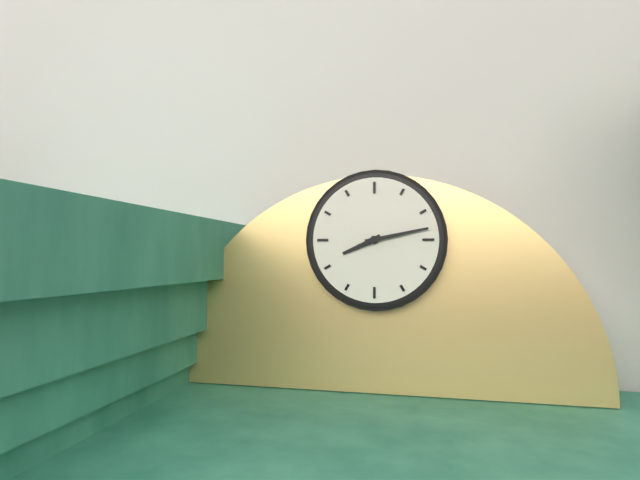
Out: {"hour": 8, "minute": 13}
